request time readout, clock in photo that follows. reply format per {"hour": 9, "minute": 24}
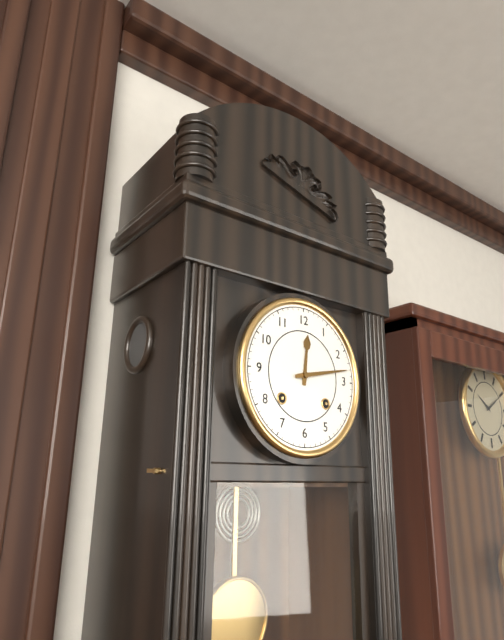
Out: {"hour": 12, "minute": 13}
